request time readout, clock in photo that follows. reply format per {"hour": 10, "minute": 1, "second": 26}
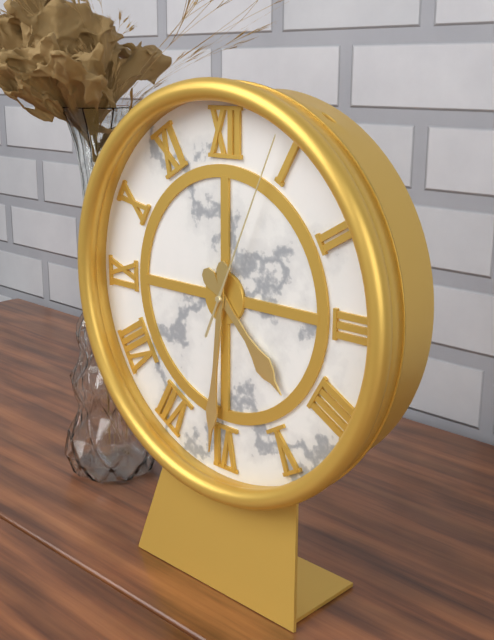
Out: {"hour": 4, "minute": 31, "second": 4}
